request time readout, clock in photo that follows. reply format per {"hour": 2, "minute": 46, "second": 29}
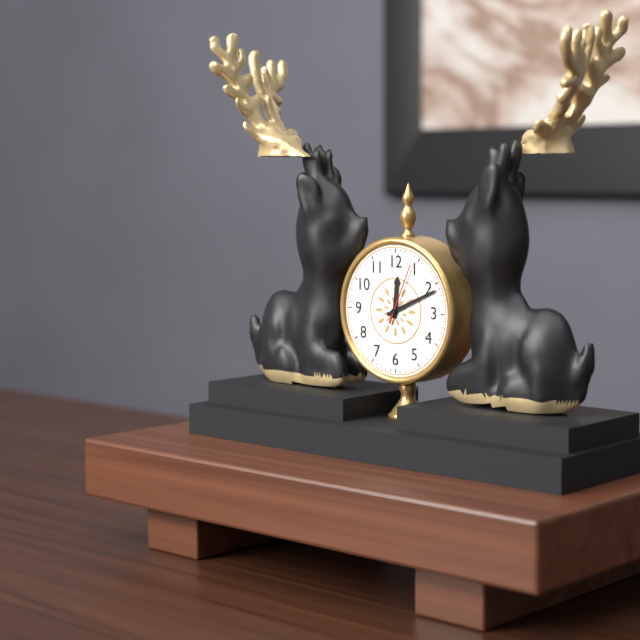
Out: {"hour": 12, "minute": 11, "second": 4}
